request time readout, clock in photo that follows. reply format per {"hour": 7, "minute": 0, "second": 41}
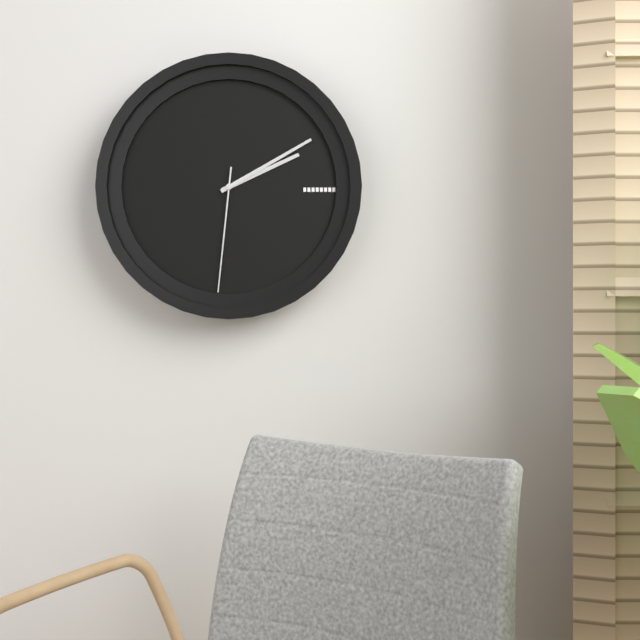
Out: {"hour": 2, "minute": 10, "second": 31}
